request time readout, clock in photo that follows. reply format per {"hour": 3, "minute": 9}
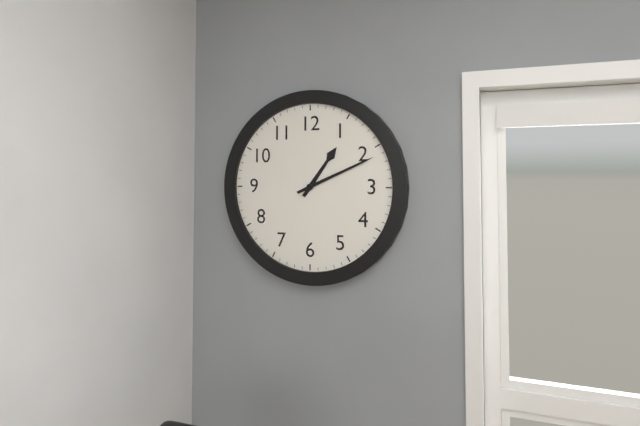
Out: {"hour": 1, "minute": 11}
